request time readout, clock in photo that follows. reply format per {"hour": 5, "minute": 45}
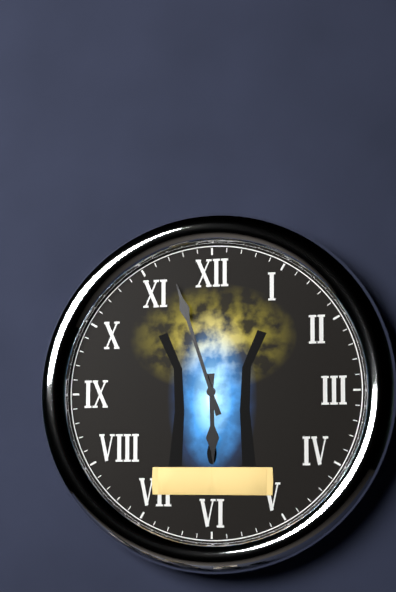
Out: {"hour": 5, "minute": 57}
